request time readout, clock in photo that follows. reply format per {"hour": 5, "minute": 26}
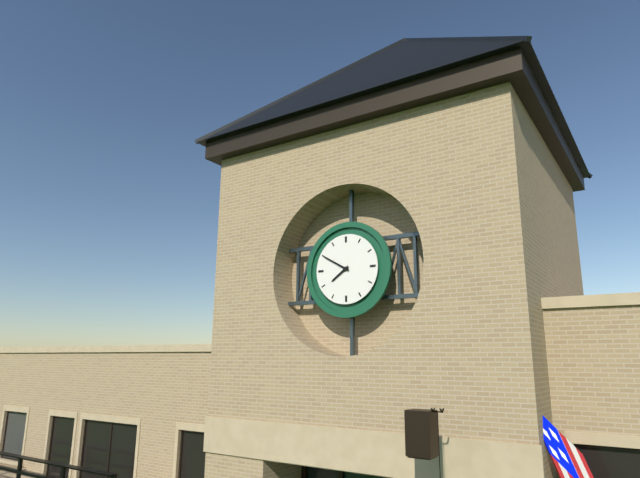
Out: {"hour": 7, "minute": 50}
